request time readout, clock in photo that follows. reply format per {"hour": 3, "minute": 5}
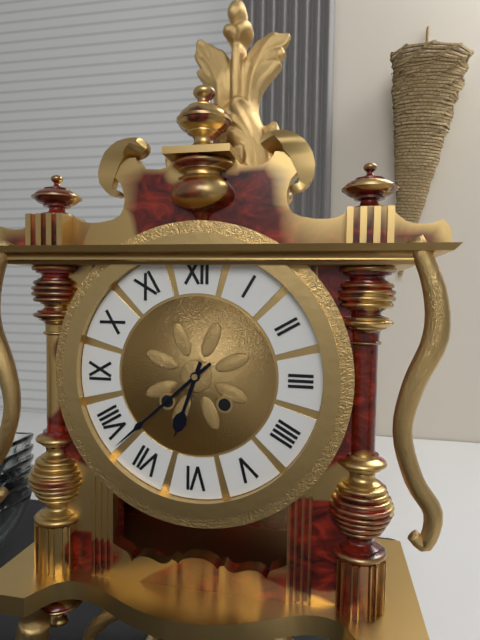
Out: {"hour": 6, "minute": 38}
